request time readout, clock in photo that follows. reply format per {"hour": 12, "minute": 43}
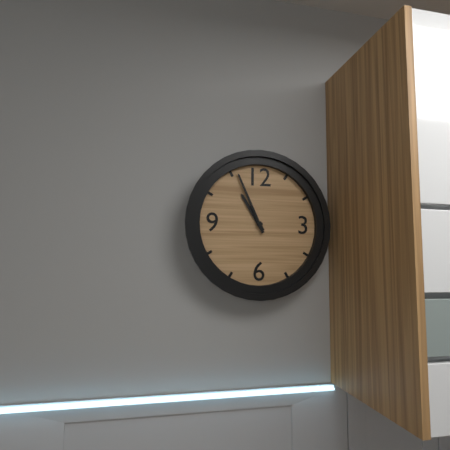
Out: {"hour": 10, "minute": 56}
